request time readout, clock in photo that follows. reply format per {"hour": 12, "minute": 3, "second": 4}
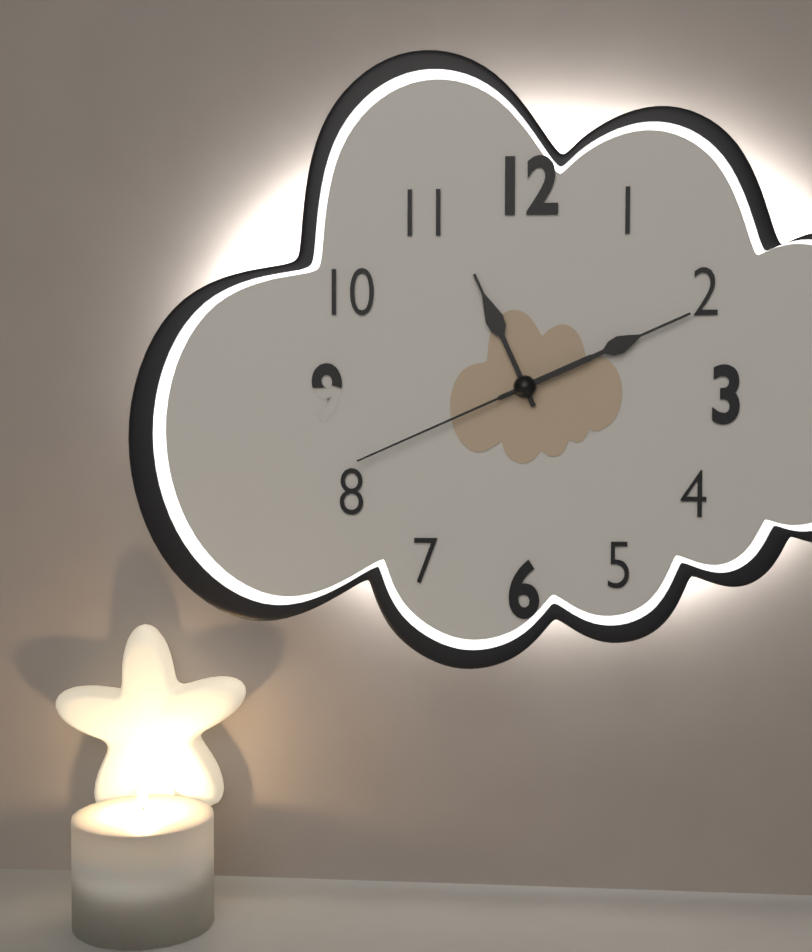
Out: {"hour": 11, "minute": 11, "second": 41}
